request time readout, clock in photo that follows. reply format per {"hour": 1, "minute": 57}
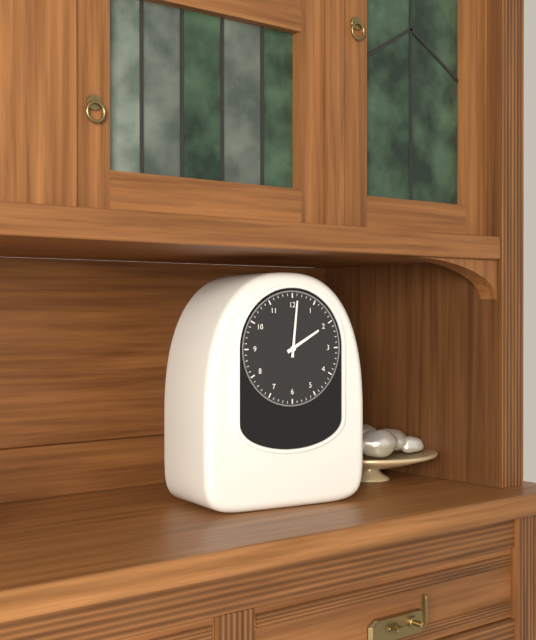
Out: {"hour": 2, "minute": 1}
